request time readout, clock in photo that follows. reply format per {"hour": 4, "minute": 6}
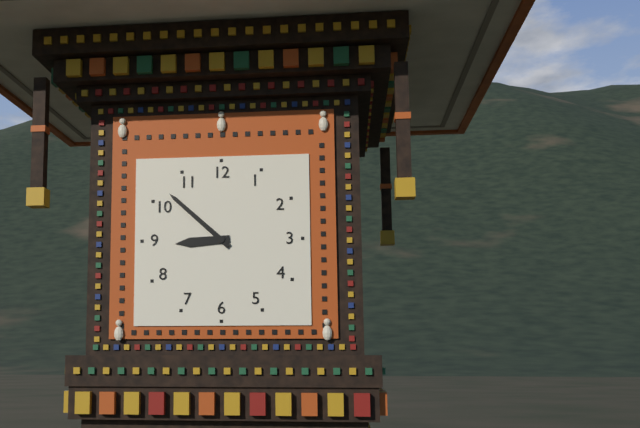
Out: {"hour": 8, "minute": 52}
